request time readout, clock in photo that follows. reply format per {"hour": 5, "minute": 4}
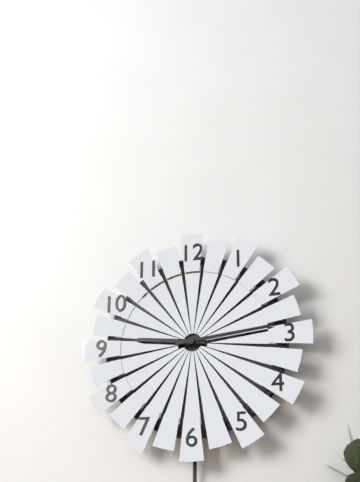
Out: {"hour": 9, "minute": 14}
